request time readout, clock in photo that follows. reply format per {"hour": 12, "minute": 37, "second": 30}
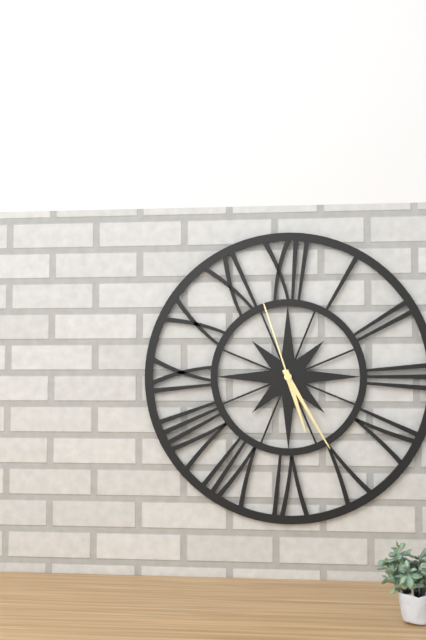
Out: {"hour": 5, "minute": 25, "second": 57}
